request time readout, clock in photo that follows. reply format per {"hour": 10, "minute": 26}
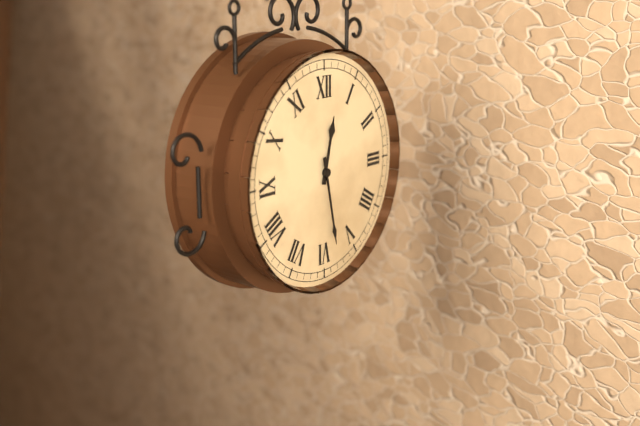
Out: {"hour": 12, "minute": 28}
